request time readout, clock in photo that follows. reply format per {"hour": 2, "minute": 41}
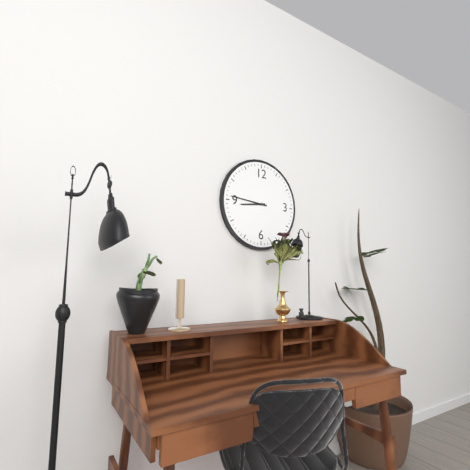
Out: {"hour": 8, "minute": 46}
